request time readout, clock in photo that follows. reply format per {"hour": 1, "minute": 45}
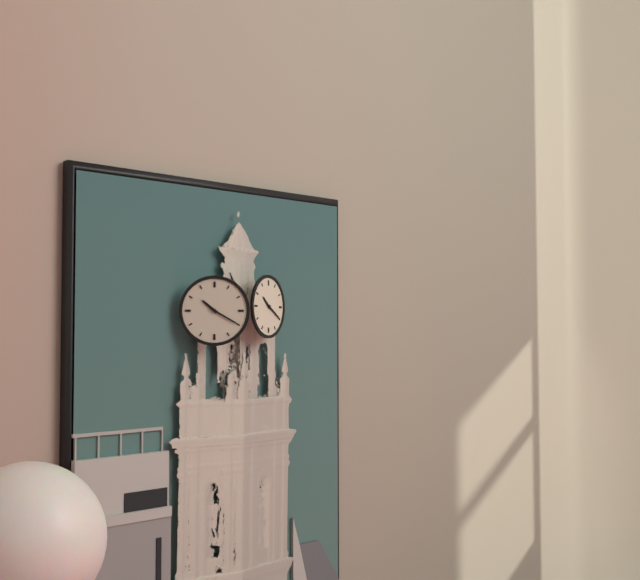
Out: {"hour": 10, "minute": 20}
